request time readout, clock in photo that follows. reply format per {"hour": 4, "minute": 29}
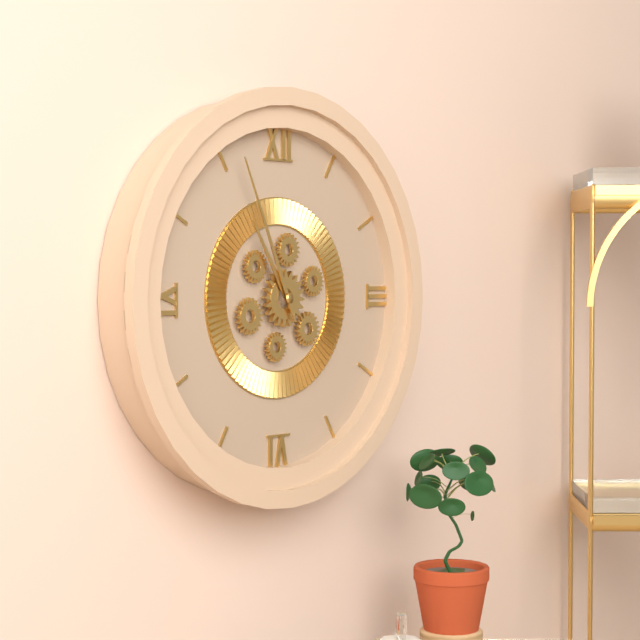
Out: {"hour": 10, "minute": 56}
